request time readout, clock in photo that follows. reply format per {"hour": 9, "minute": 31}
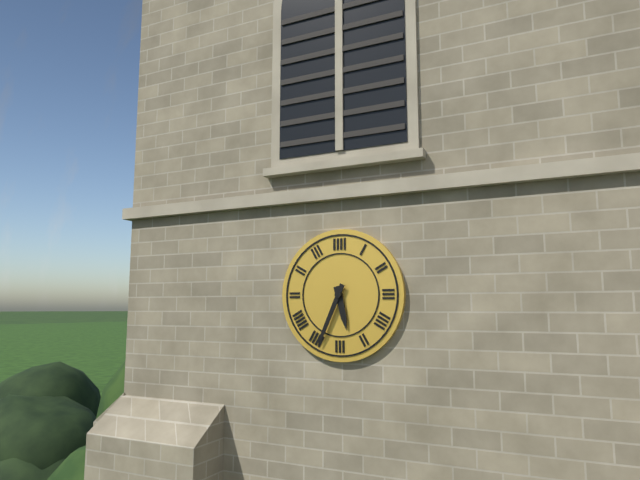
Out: {"hour": 5, "minute": 34}
